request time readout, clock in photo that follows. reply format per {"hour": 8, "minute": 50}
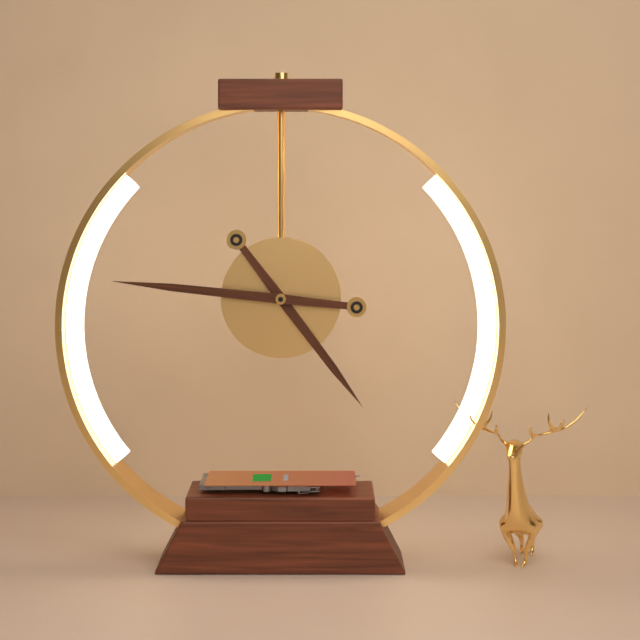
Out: {"hour": 4, "minute": 46}
